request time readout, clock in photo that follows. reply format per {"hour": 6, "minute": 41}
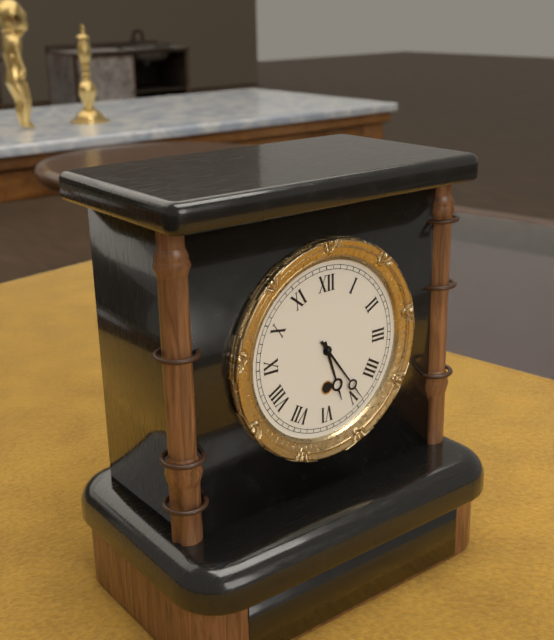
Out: {"hour": 5, "minute": 24}
